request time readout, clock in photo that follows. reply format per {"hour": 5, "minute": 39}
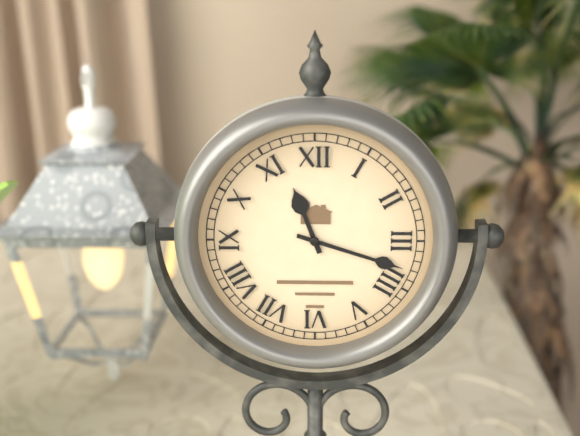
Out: {"hour": 11, "minute": 18}
